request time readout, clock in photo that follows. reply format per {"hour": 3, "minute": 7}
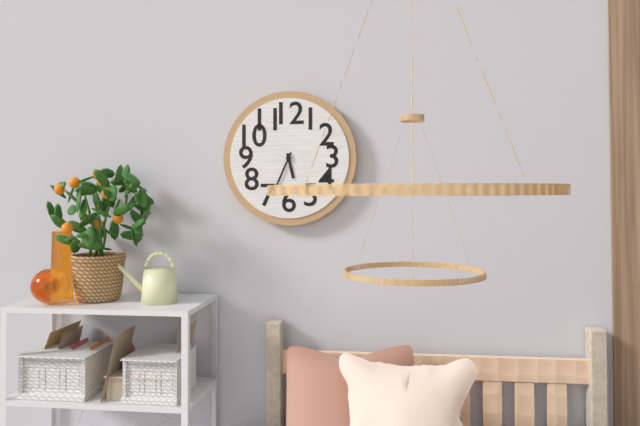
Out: {"hour": 5, "minute": 34}
